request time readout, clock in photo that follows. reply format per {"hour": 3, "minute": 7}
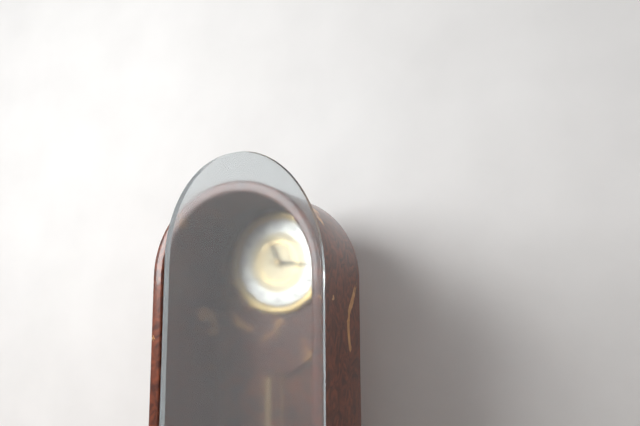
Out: {"hour": 11, "minute": 16}
